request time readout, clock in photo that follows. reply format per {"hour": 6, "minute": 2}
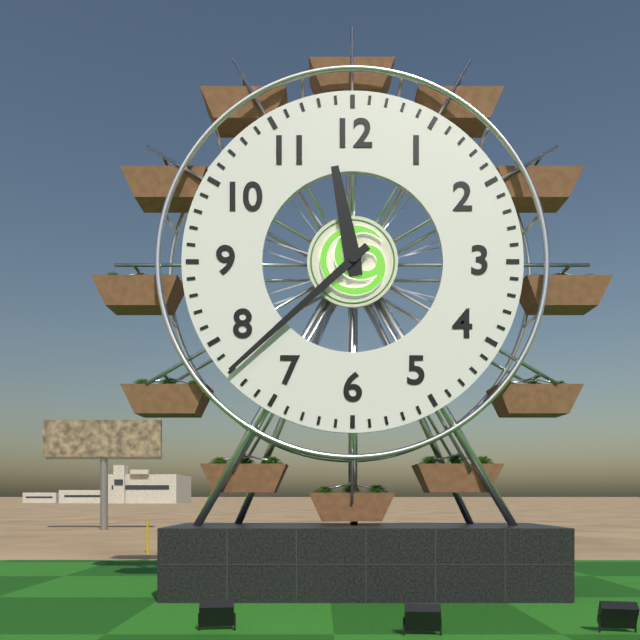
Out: {"hour": 11, "minute": 38}
